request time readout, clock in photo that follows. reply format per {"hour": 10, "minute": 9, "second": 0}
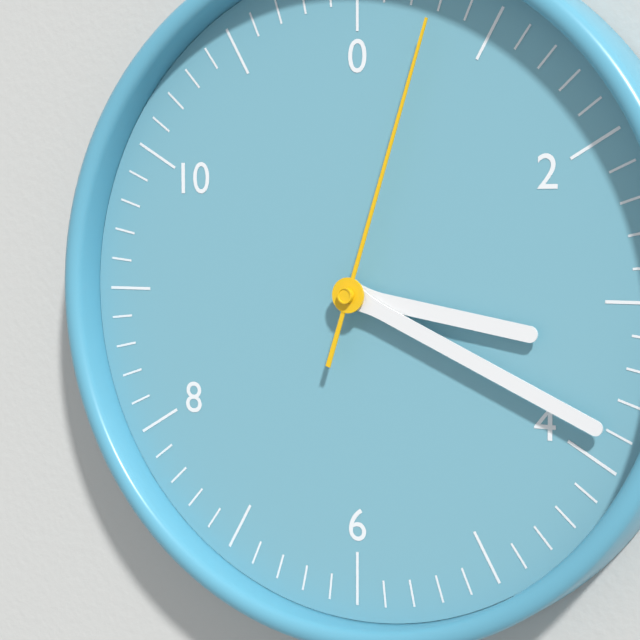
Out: {"hour": 3, "minute": 19, "second": 3}
